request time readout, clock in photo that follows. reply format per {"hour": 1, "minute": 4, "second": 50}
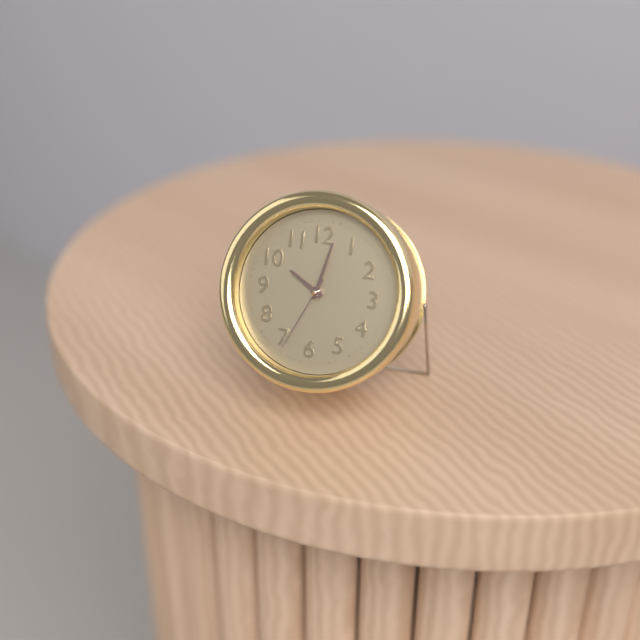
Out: {"hour": 10, "minute": 2, "second": 34}
